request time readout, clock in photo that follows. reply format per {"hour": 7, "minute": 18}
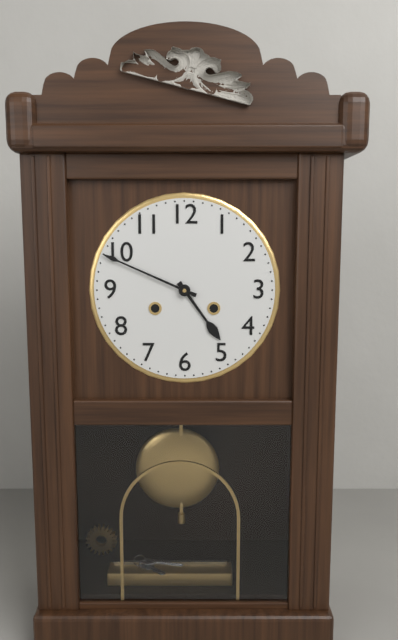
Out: {"hour": 4, "minute": 49}
